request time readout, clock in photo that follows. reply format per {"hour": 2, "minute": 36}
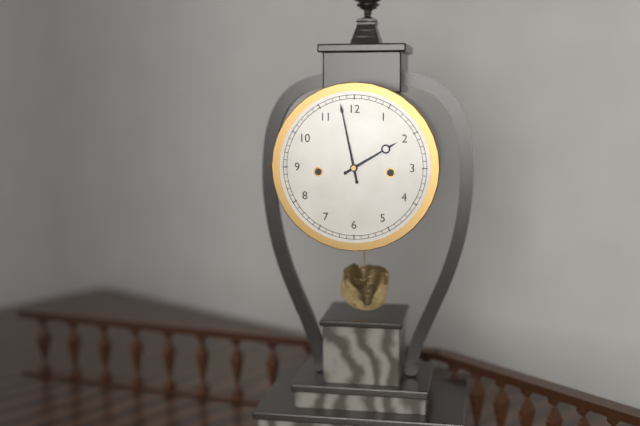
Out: {"hour": 1, "minute": 58}
